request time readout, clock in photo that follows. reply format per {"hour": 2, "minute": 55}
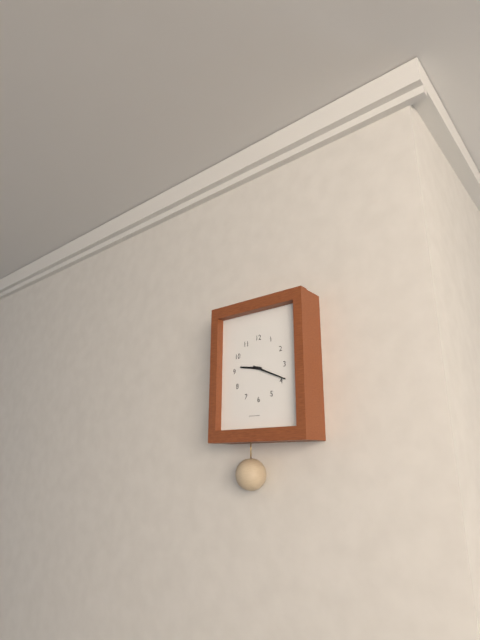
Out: {"hour": 9, "minute": 19}
